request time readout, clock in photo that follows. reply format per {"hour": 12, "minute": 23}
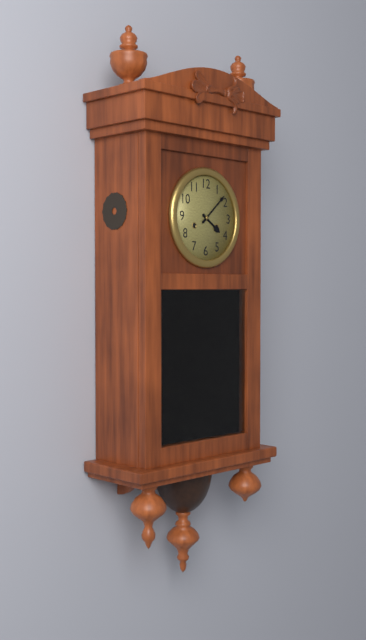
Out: {"hour": 4, "minute": 8}
